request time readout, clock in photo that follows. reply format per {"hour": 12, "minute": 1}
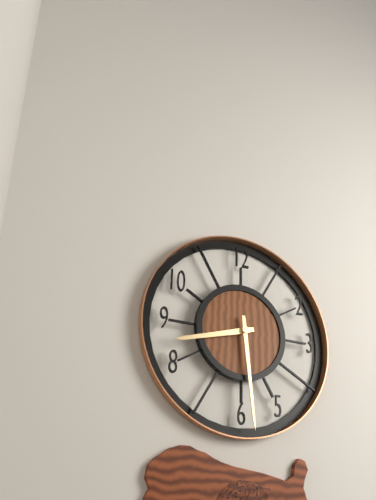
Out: {"hour": 8, "minute": 29}
